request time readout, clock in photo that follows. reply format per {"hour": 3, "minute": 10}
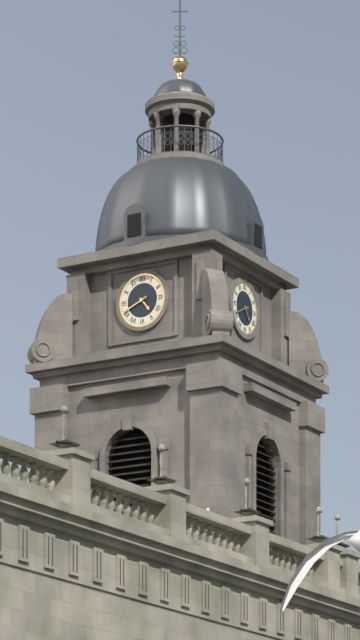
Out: {"hour": 4, "minute": 41}
